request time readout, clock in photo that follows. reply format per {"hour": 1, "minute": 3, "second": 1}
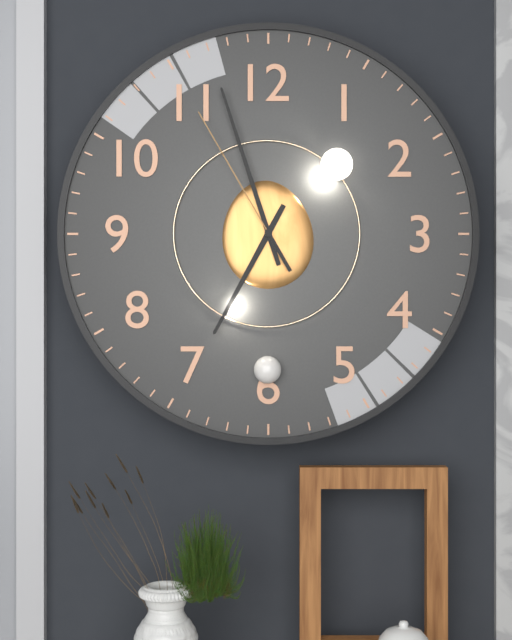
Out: {"hour": 6, "minute": 57, "second": 55}
